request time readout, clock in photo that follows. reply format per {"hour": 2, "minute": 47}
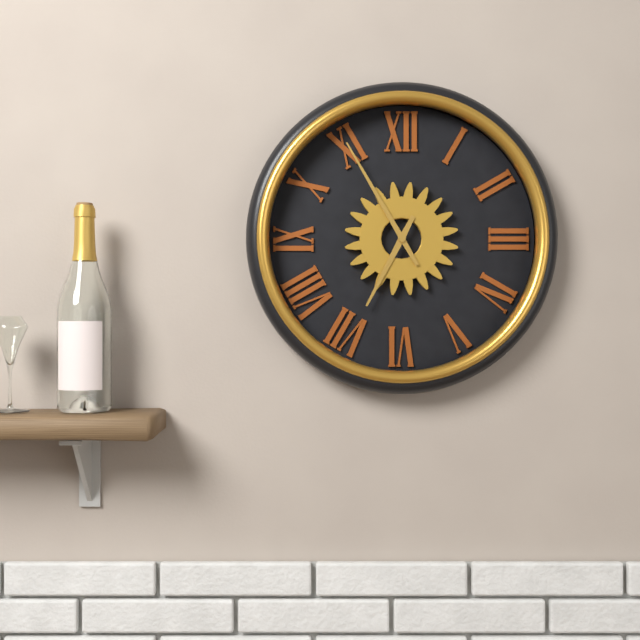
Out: {"hour": 6, "minute": 55}
